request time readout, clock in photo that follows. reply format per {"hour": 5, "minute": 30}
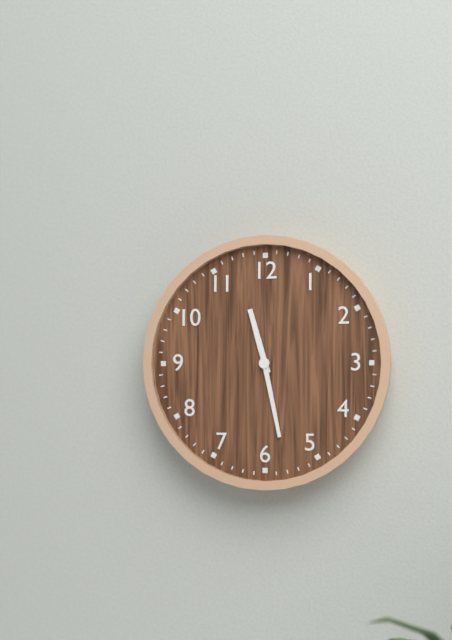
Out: {"hour": 11, "minute": 28}
